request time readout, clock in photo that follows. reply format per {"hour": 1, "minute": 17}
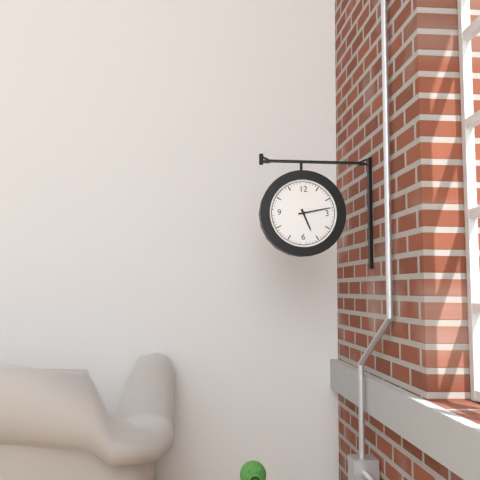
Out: {"hour": 5, "minute": 13}
